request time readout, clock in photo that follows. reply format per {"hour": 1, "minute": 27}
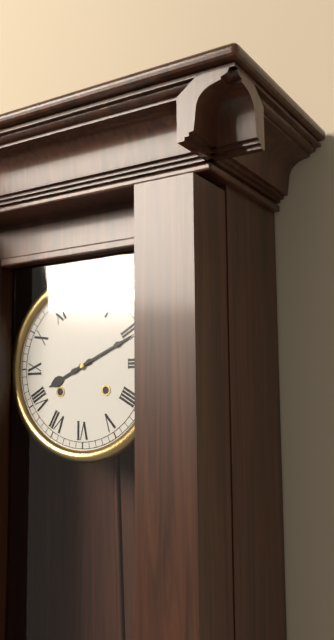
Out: {"hour": 8, "minute": 11}
